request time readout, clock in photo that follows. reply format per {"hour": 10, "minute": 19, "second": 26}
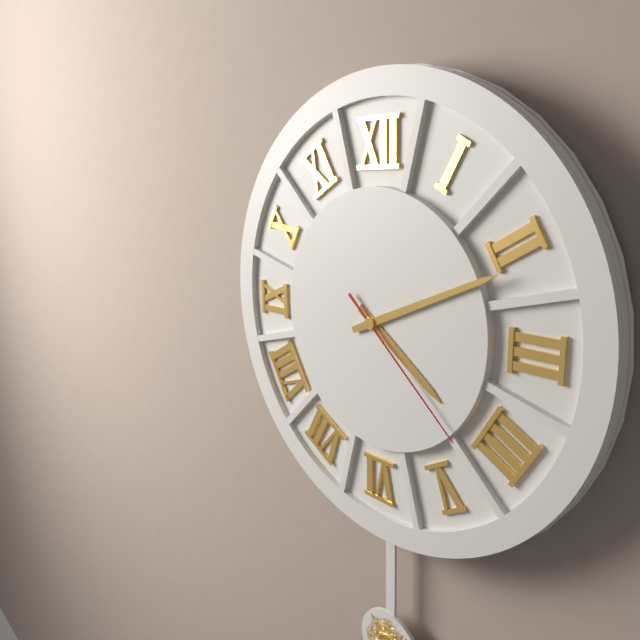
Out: {"hour": 4, "minute": 11, "second": 22}
